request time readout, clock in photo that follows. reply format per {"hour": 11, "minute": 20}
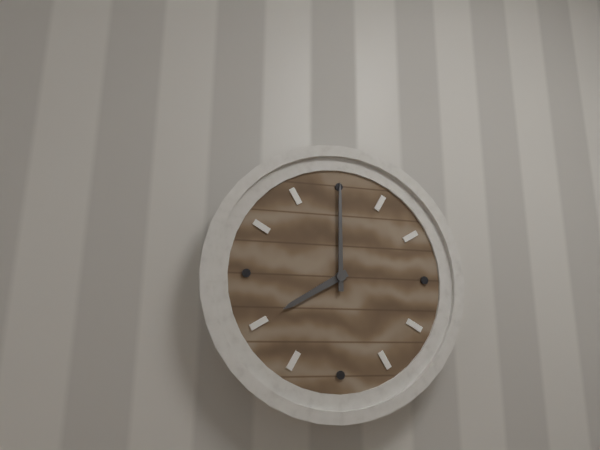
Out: {"hour": 8, "minute": 0}
